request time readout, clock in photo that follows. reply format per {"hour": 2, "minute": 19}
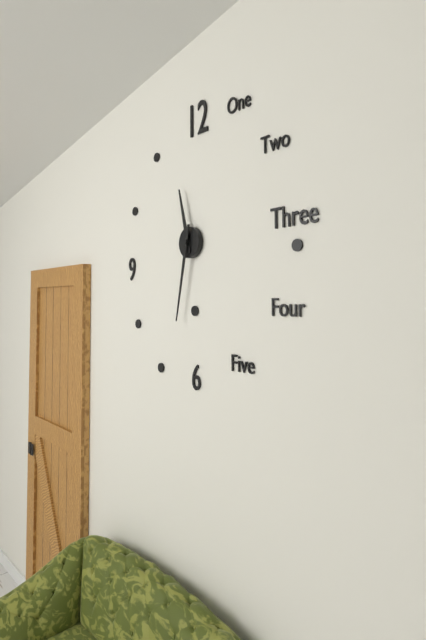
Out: {"hour": 11, "minute": 32}
